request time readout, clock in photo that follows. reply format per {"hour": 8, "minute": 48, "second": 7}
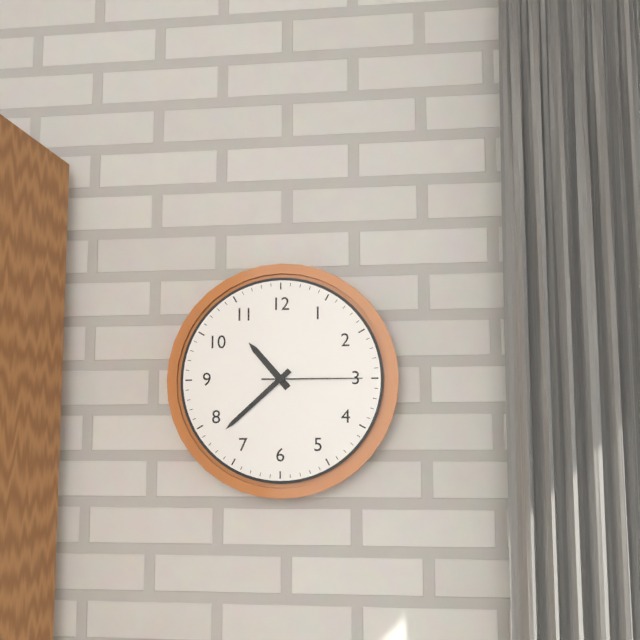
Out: {"hour": 10, "minute": 38, "second": 15}
